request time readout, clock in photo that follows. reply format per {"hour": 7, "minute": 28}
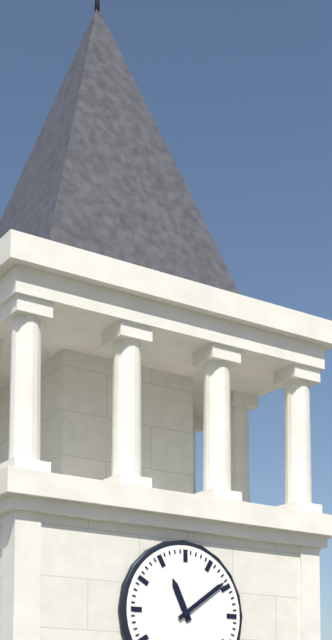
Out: {"hour": 11, "minute": 9}
